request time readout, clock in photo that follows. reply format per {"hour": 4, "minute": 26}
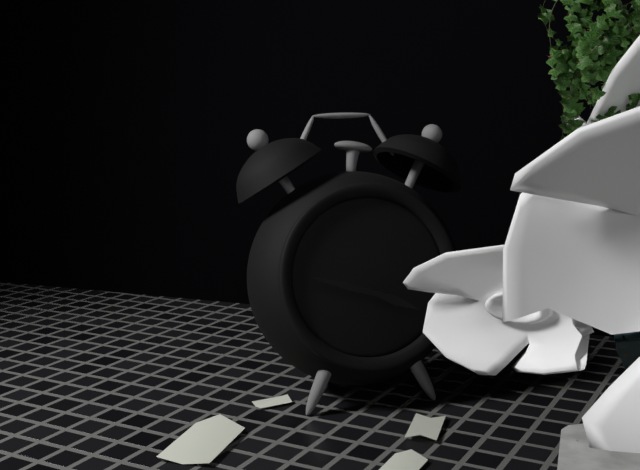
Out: {"hour": 3, "minute": 48}
